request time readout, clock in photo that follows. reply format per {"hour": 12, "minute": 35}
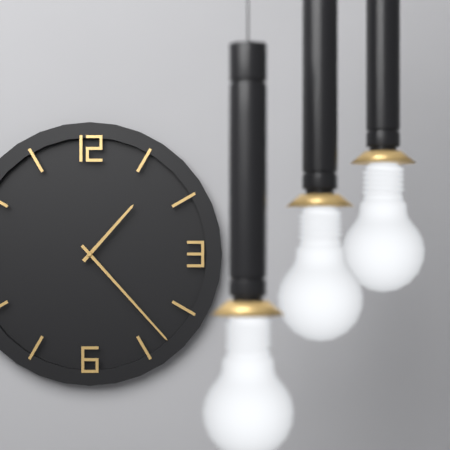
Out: {"hour": 1, "minute": 23}
